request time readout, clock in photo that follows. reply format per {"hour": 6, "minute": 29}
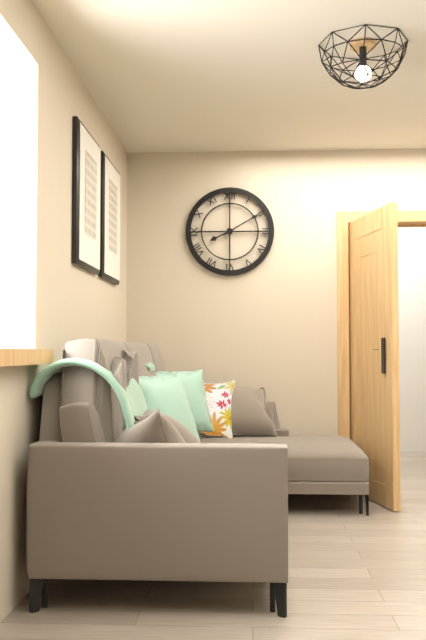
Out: {"hour": 8, "minute": 10}
